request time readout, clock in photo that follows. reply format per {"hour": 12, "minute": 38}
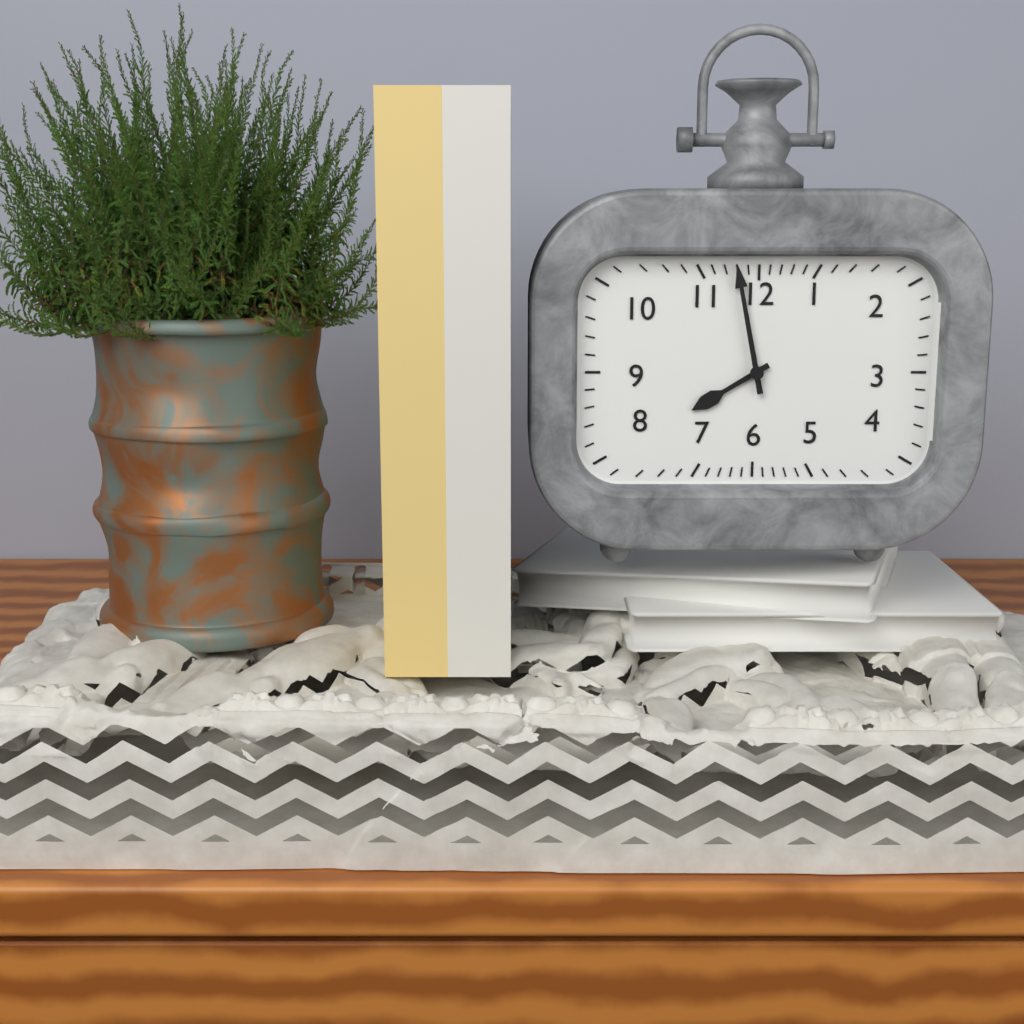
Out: {"hour": 7, "minute": 58}
